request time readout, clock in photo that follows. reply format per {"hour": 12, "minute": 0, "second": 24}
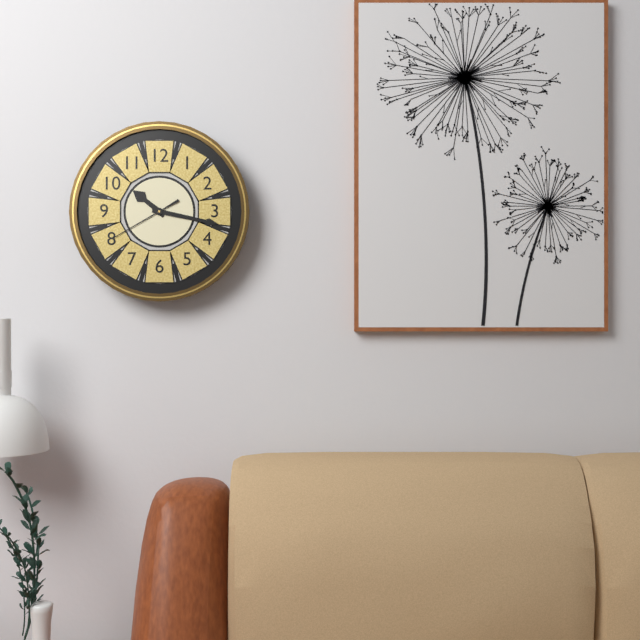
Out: {"hour": 10, "minute": 17, "second": 40}
